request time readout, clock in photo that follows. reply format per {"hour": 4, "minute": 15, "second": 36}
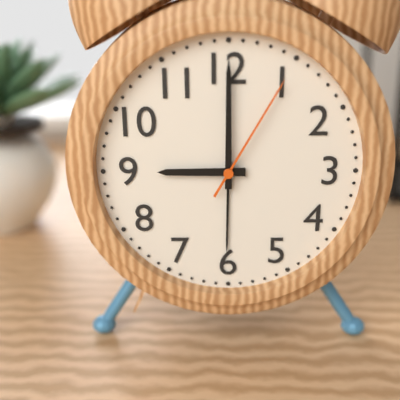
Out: {"hour": 9, "minute": 0, "second": 5}
